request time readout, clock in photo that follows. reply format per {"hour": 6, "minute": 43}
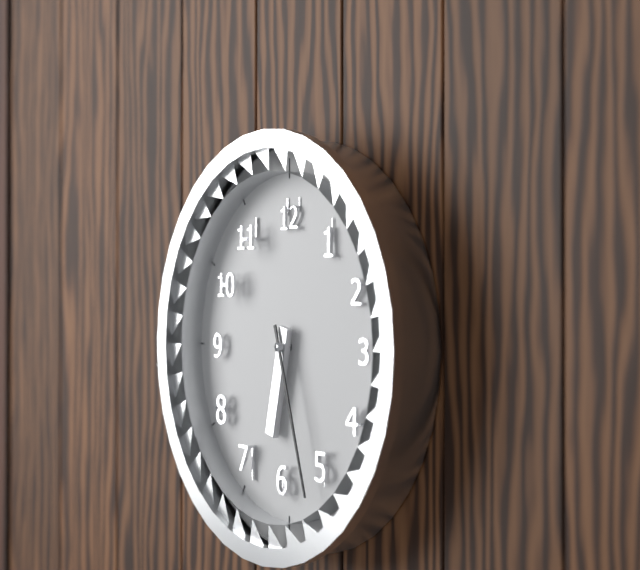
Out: {"hour": 6, "minute": 27}
